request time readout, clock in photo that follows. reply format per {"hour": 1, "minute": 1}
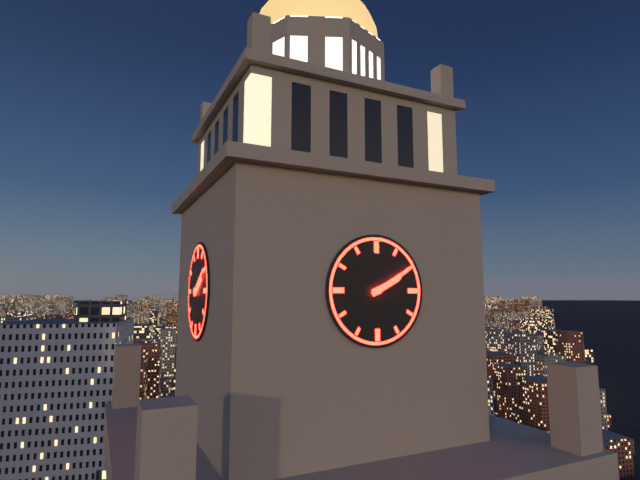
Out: {"hour": 2, "minute": 10}
